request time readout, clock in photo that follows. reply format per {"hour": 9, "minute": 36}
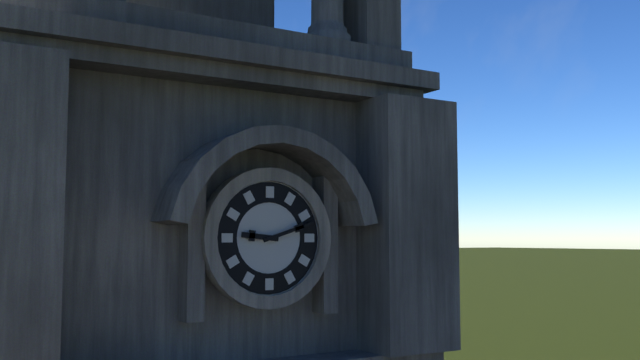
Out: {"hour": 9, "minute": 12}
